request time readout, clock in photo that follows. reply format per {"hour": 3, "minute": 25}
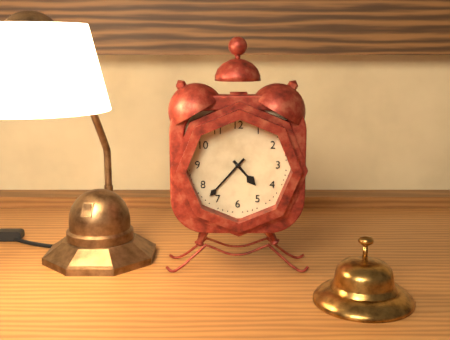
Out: {"hour": 4, "minute": 37}
